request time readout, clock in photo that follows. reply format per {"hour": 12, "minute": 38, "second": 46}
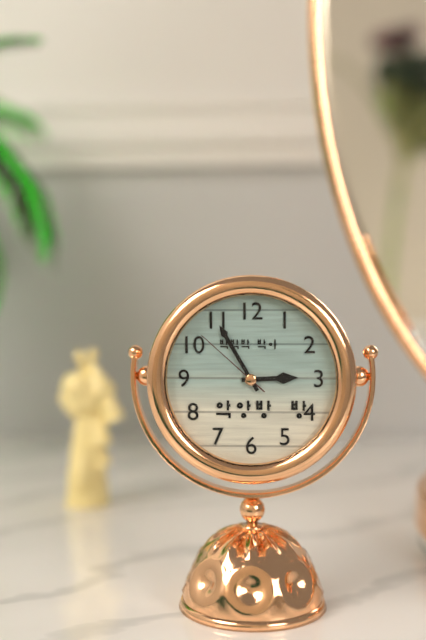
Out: {"hour": 2, "minute": 55, "second": 52}
